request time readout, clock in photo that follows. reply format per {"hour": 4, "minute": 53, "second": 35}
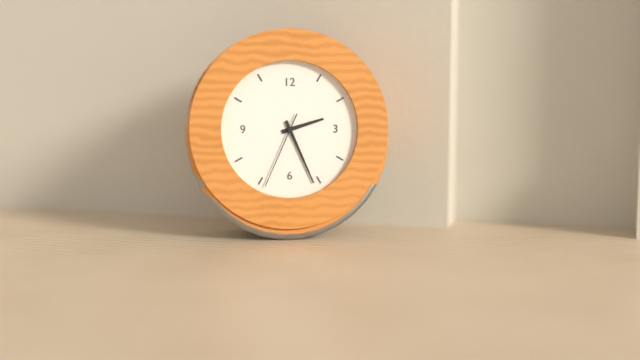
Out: {"hour": 2, "minute": 26, "second": 34}
